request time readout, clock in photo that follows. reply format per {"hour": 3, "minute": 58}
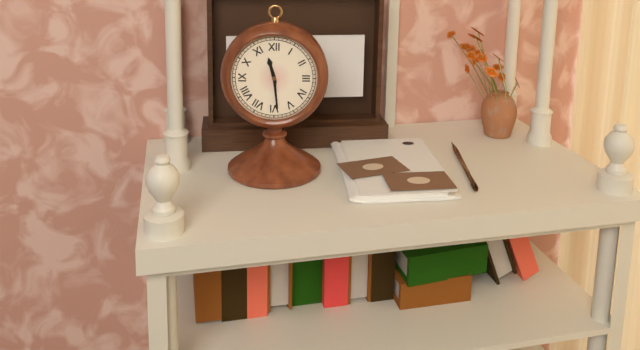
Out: {"hour": 11, "minute": 29}
